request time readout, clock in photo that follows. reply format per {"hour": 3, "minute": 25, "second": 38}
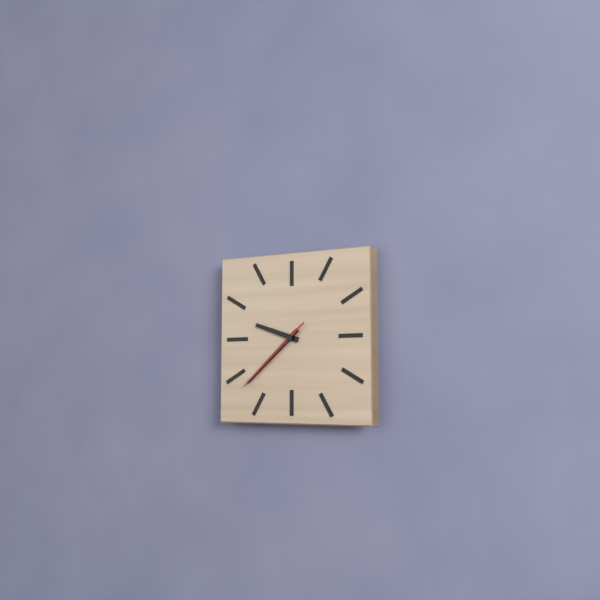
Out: {"hour": 9, "minute": 38, "second": 38}
